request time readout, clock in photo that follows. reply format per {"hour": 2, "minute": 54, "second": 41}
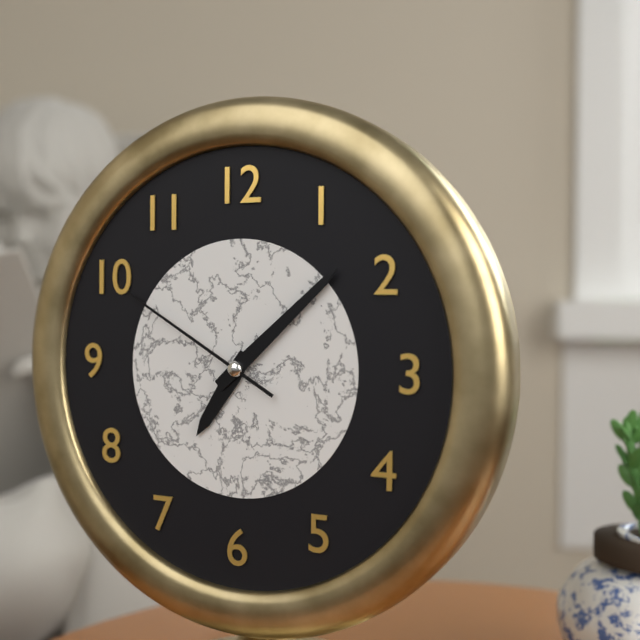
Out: {"hour": 7, "minute": 8, "second": 50}
